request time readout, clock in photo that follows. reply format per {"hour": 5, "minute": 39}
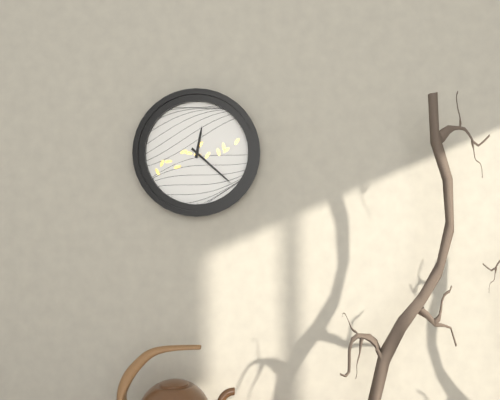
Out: {"hour": 12, "minute": 22}
